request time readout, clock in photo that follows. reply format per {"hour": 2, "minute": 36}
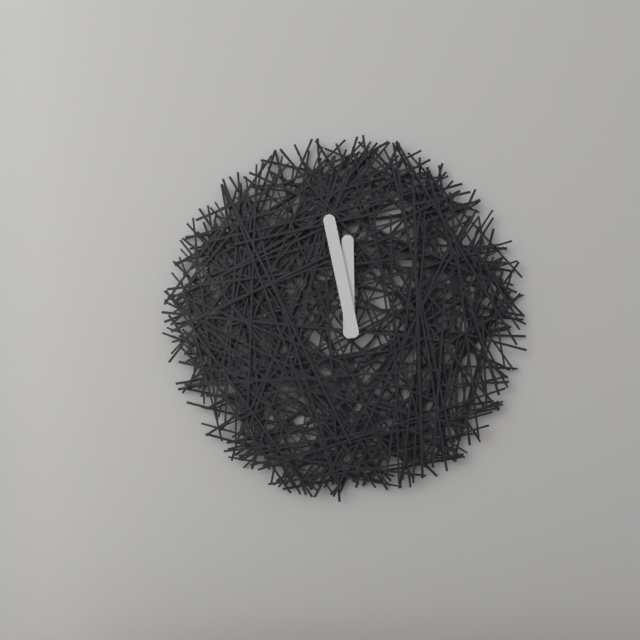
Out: {"hour": 11, "minute": 58}
